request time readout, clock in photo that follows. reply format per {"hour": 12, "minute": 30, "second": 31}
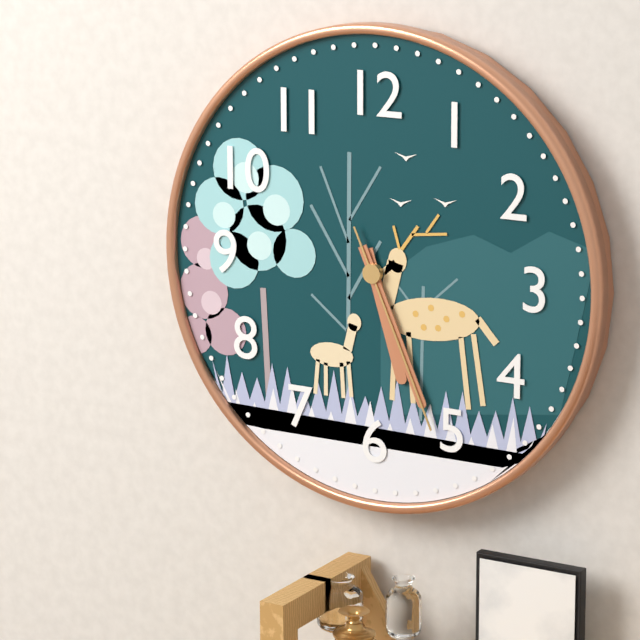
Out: {"hour": 5, "minute": 26, "second": 26}
